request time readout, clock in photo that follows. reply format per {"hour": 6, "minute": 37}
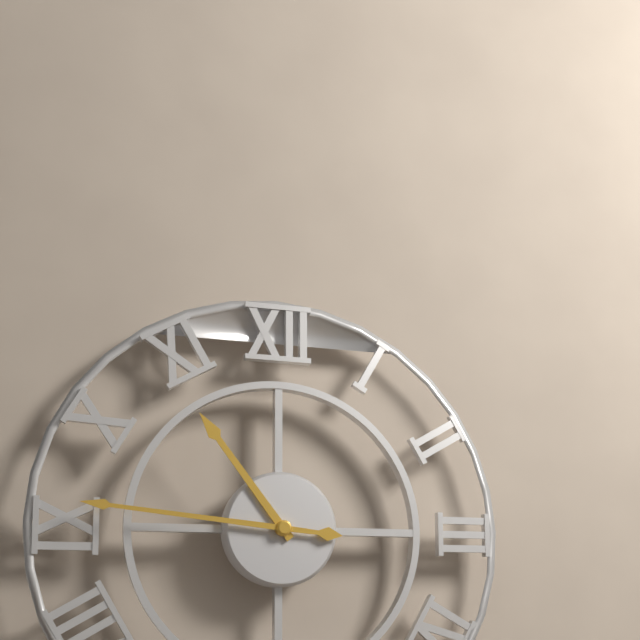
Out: {"hour": 10, "minute": 46}
